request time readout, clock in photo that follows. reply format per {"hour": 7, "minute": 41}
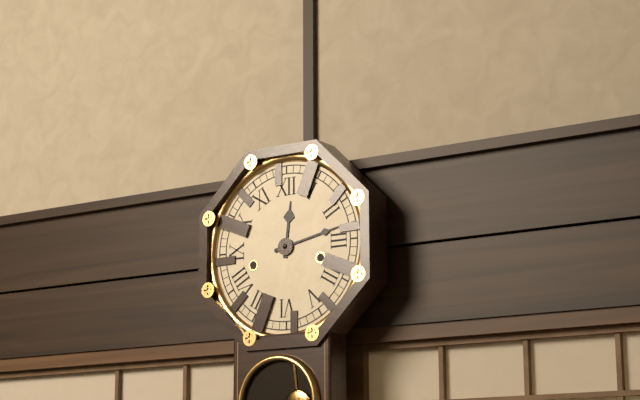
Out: {"hour": 12, "minute": 13}
